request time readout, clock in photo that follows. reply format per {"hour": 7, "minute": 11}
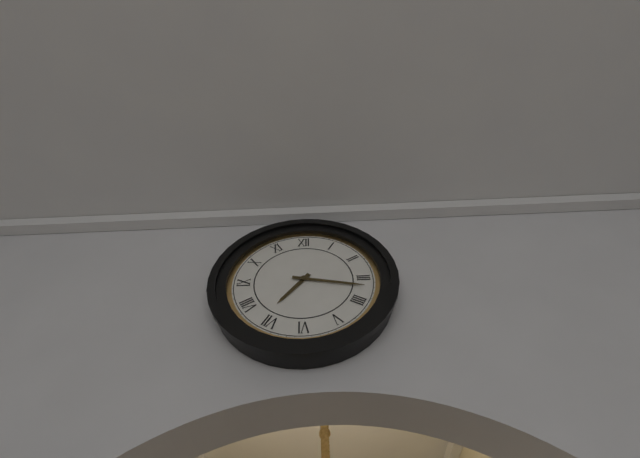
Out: {"hour": 7, "minute": 17}
